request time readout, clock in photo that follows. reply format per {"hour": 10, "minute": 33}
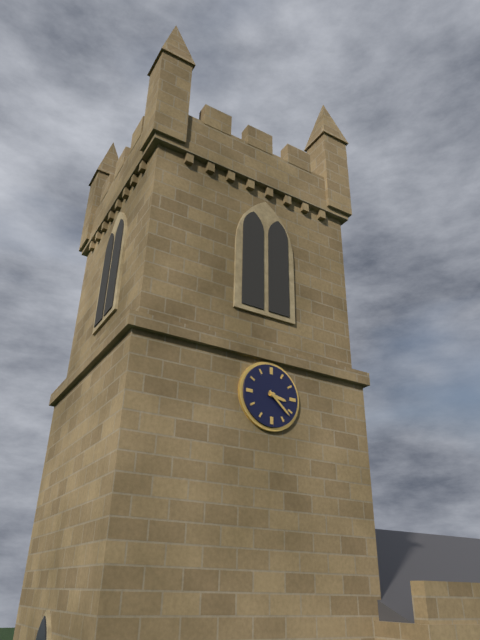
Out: {"hour": 3, "minute": 22}
